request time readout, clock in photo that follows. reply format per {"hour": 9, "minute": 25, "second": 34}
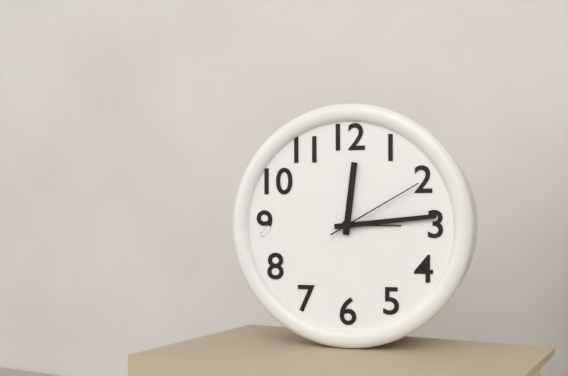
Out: {"hour": 12, "minute": 14, "second": 10}
